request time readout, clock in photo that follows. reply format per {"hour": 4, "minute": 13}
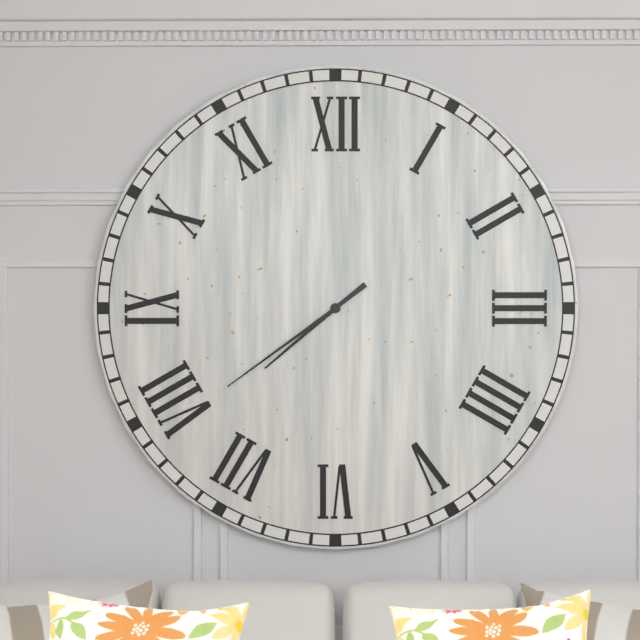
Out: {"hour": 7, "minute": 39}
